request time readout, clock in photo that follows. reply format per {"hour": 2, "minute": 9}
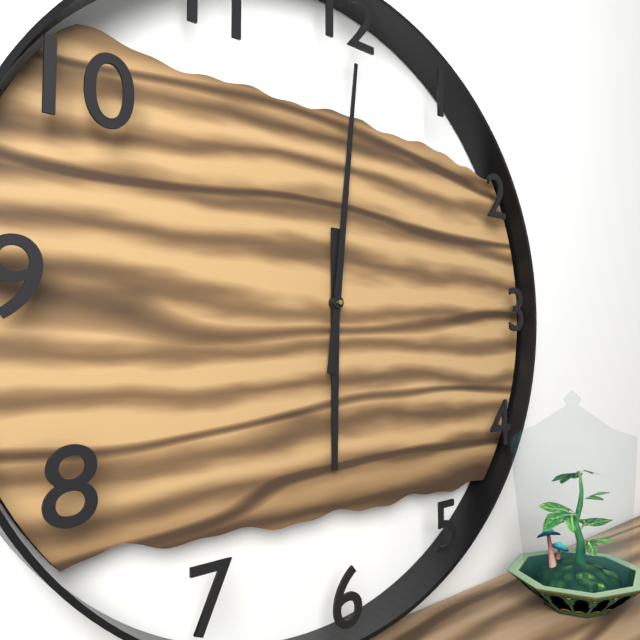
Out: {"hour": 6, "minute": 1}
